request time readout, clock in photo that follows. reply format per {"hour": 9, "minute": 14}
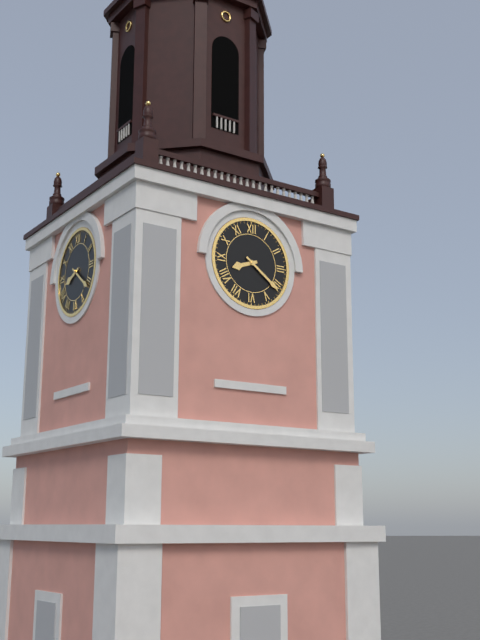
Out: {"hour": 8, "minute": 21}
